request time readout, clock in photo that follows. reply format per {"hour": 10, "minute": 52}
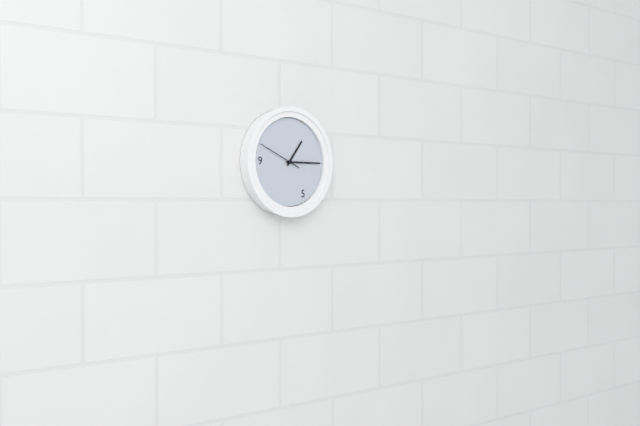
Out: {"hour": 1, "minute": 15}
